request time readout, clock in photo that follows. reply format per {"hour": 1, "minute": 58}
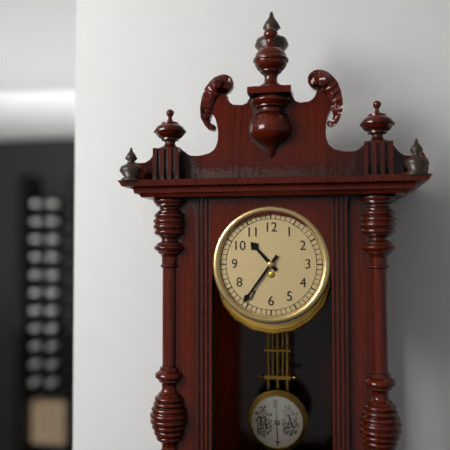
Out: {"hour": 10, "minute": 36}
